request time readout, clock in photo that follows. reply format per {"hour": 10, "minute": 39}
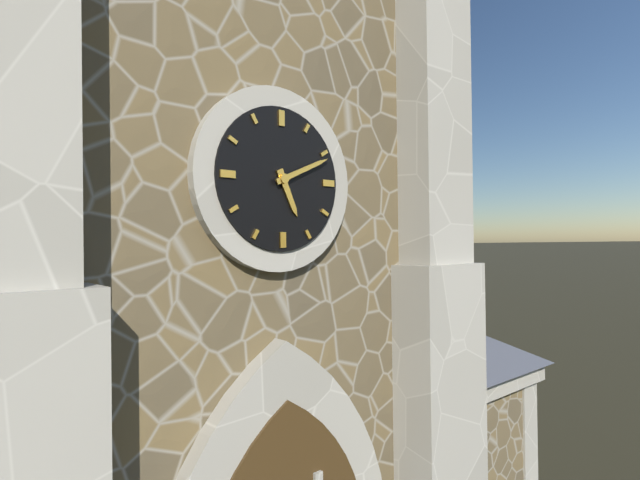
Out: {"hour": 5, "minute": 11}
